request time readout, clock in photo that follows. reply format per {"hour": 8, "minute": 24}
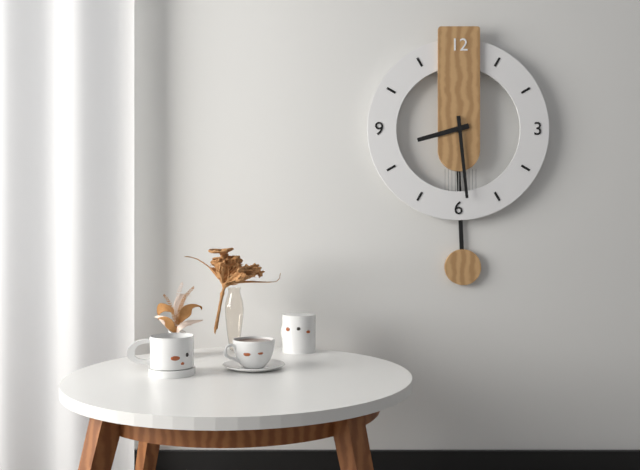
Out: {"hour": 8, "minute": 29}
